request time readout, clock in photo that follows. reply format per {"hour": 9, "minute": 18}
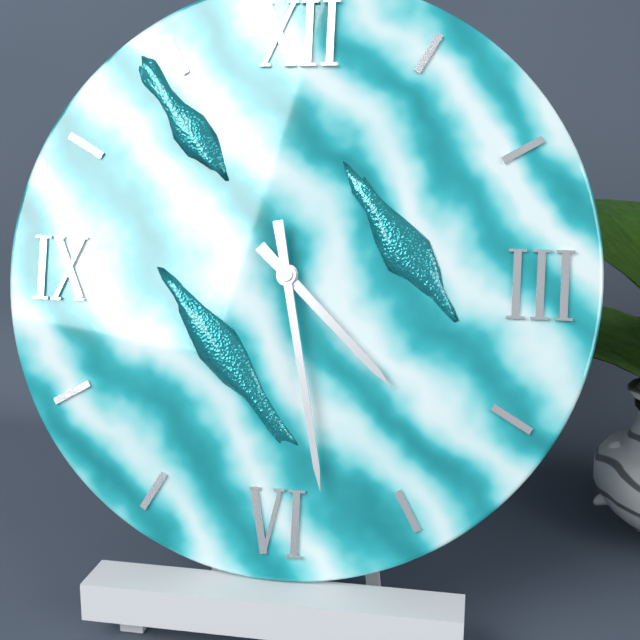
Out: {"hour": 4, "minute": 28}
